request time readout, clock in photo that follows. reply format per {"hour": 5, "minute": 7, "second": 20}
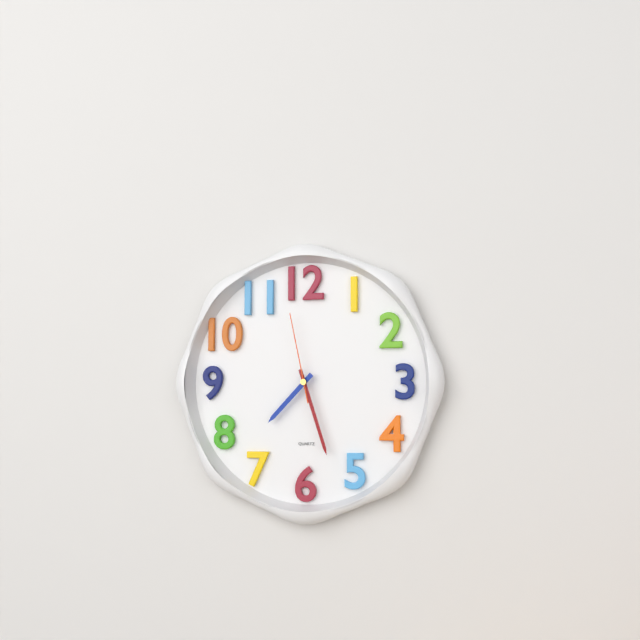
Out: {"hour": 7, "minute": 27, "second": 58}
